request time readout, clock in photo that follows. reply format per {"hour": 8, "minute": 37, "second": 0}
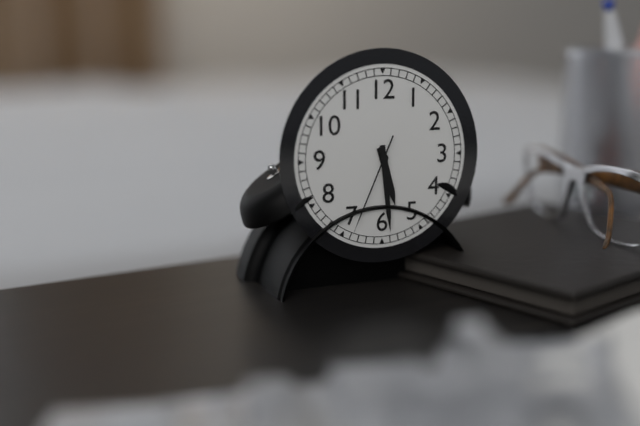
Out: {"hour": 5, "minute": 29, "second": 34}
